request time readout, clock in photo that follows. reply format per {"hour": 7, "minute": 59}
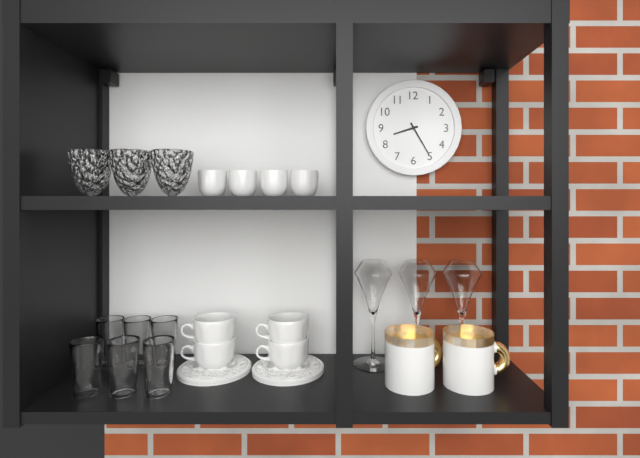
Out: {"hour": 8, "minute": 25}
